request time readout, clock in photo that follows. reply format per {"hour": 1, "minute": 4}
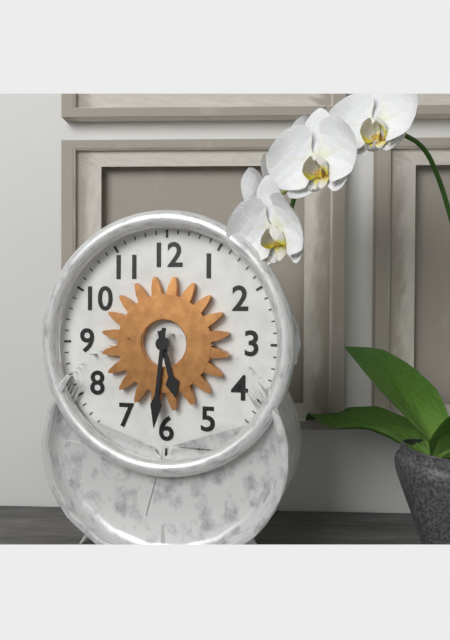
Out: {"hour": 5, "minute": 31}
